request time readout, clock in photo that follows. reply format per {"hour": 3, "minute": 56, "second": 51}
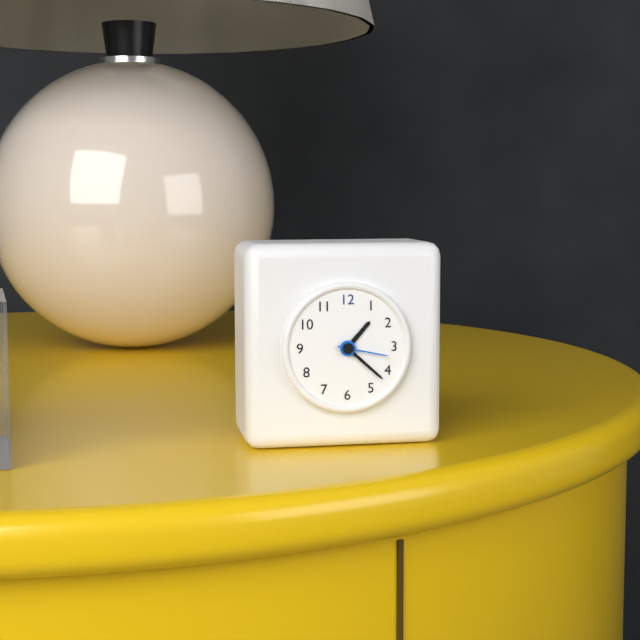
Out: {"hour": 1, "minute": 22, "second": 17}
